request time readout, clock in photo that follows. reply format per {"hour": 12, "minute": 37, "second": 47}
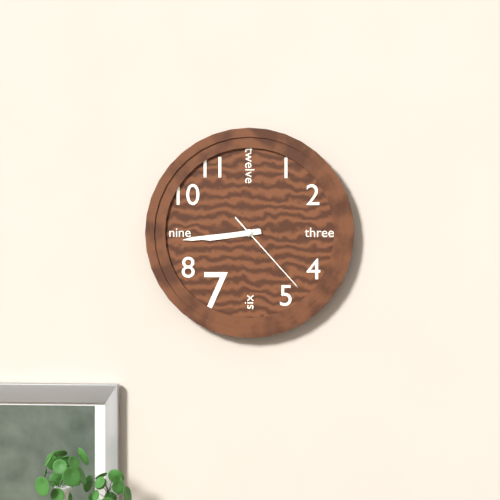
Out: {"hour": 8, "minute": 44, "second": 23}
